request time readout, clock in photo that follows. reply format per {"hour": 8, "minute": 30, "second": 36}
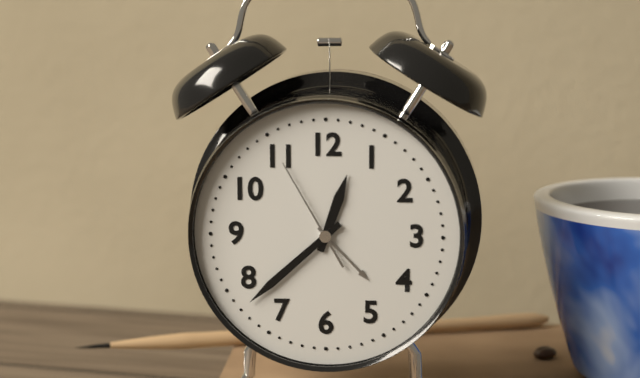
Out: {"hour": 12, "minute": 38, "second": 55}
